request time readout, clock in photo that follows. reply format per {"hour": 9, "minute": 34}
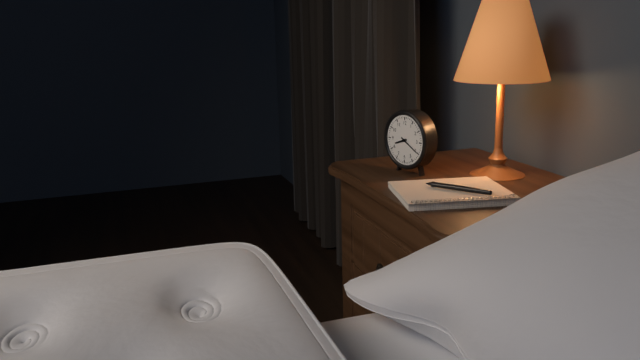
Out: {"hour": 8, "minute": 20}
